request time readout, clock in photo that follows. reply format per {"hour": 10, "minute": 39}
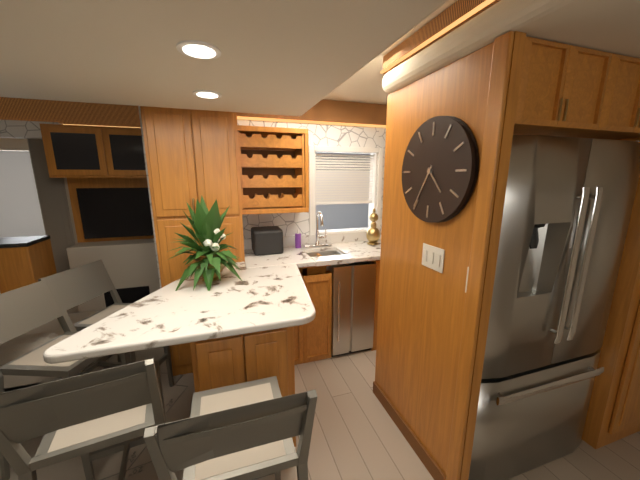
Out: {"hour": 4, "minute": 35}
